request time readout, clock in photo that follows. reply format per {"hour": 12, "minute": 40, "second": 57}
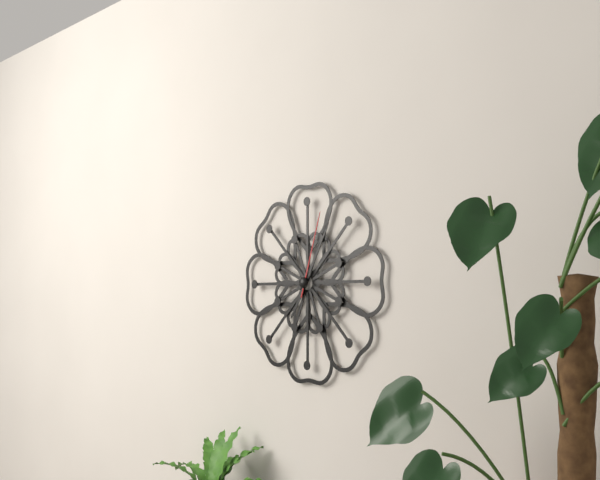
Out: {"hour": 7, "minute": 5, "second": 3}
